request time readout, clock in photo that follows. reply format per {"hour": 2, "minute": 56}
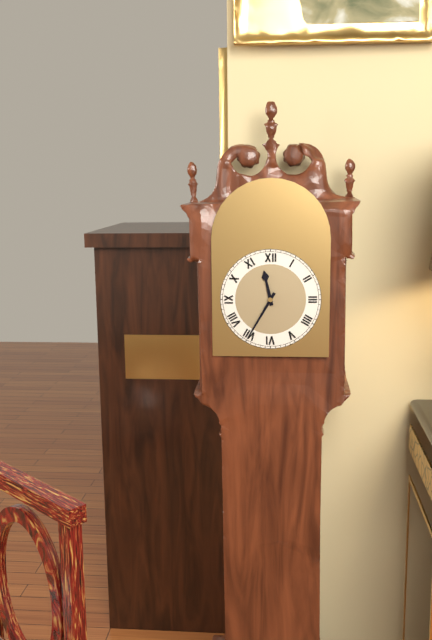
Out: {"hour": 11, "minute": 35}
